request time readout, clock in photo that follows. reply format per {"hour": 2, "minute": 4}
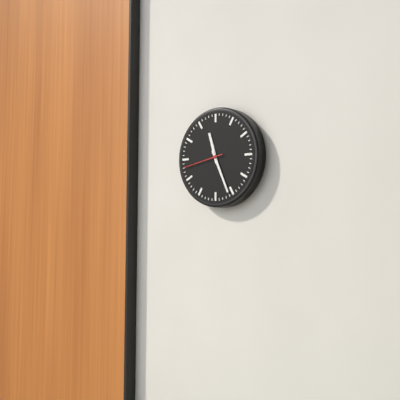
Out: {"hour": 11, "minute": 26}
